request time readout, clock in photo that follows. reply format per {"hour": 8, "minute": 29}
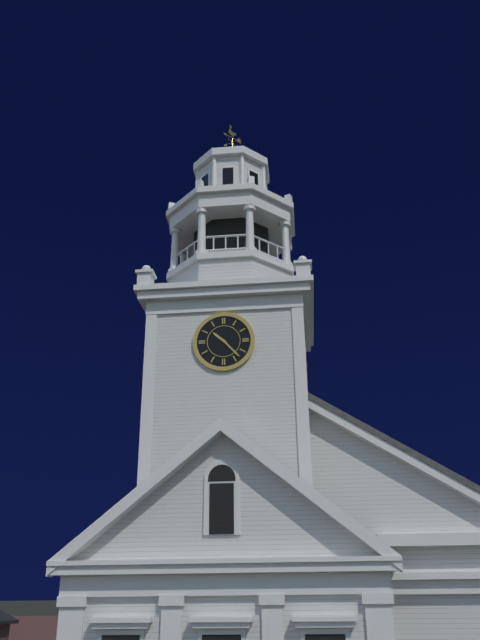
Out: {"hour": 10, "minute": 23}
